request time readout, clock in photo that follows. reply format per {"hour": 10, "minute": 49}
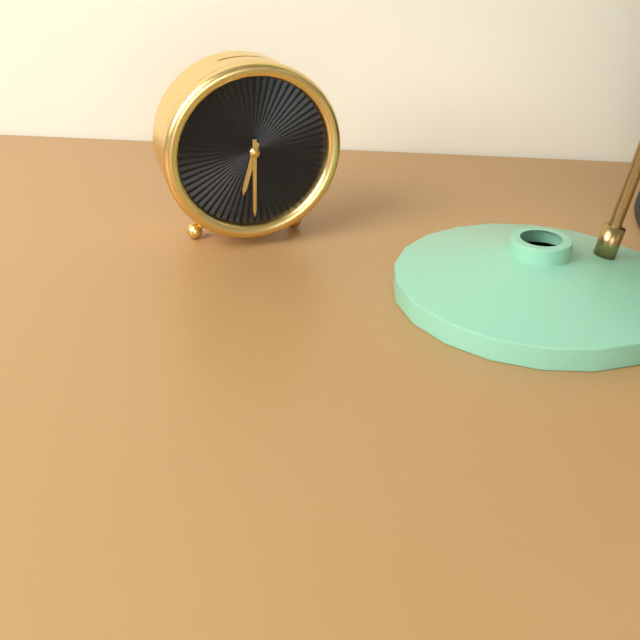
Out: {"hour": 6, "minute": 30}
